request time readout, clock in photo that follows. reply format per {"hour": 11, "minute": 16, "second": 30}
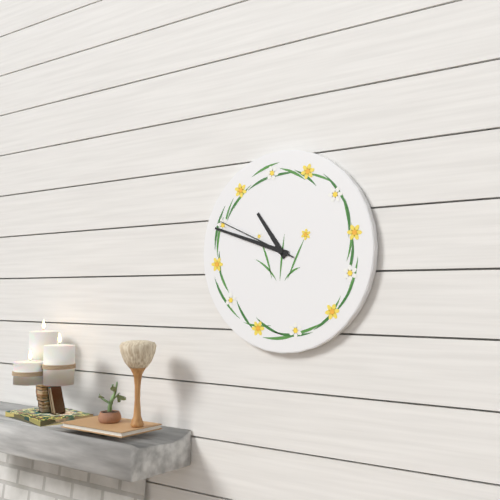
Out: {"hour": 10, "minute": 48, "second": 49}
